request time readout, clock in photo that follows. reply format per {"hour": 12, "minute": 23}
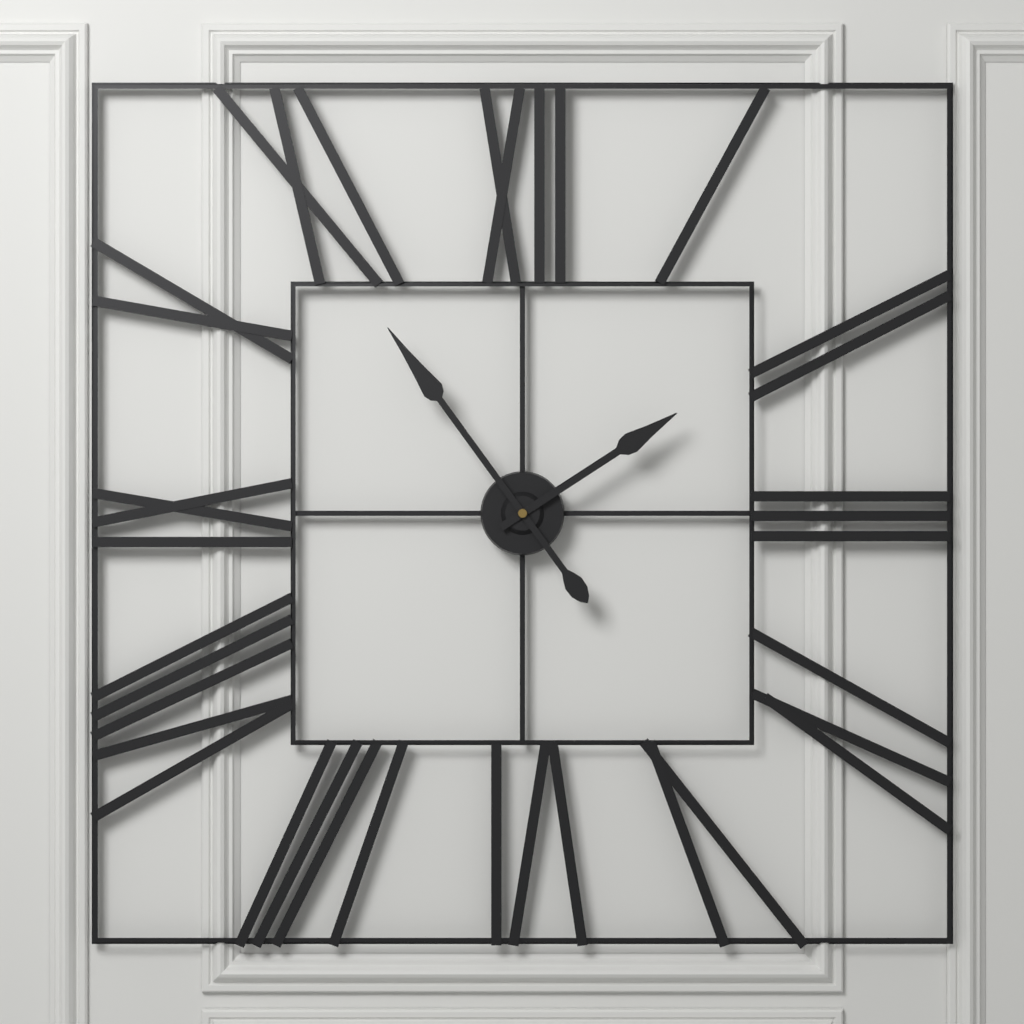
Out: {"hour": 1, "minute": 54}
